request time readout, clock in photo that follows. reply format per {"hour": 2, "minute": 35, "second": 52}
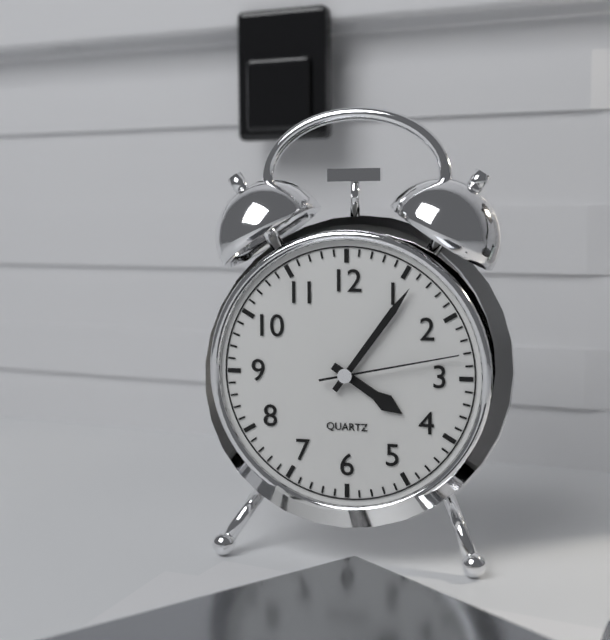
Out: {"hour": 4, "minute": 6, "second": 13}
